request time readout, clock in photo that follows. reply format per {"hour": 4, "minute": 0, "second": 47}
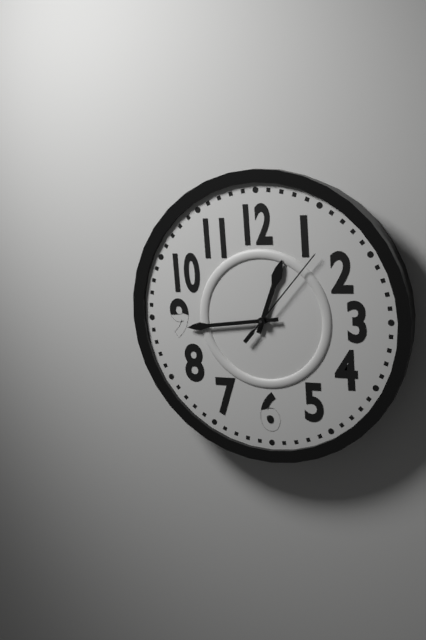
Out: {"hour": 12, "minute": 44, "second": 7}
